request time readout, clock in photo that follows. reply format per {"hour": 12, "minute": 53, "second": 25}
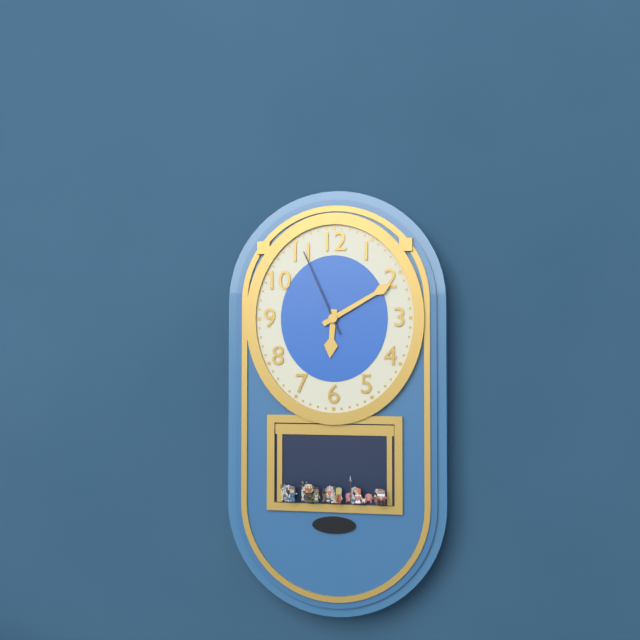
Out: {"hour": 6, "minute": 10, "second": 56}
